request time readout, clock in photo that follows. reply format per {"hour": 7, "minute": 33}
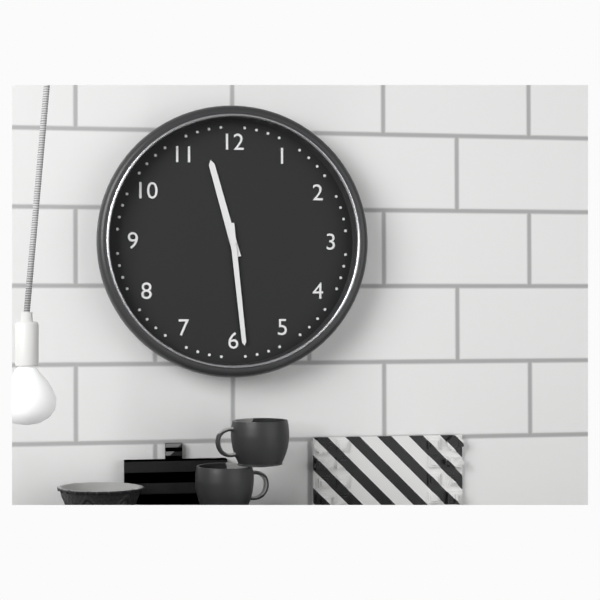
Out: {"hour": 11, "minute": 29}
